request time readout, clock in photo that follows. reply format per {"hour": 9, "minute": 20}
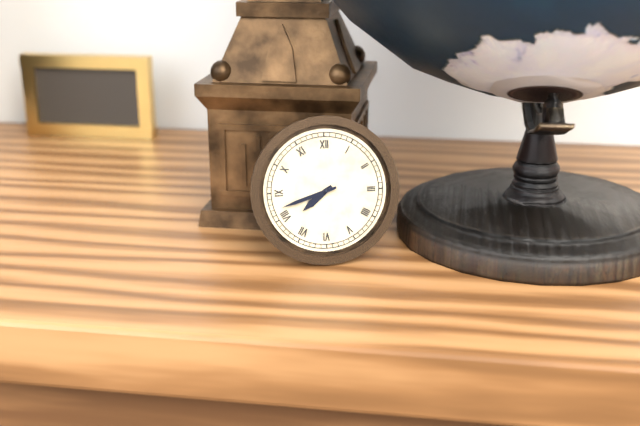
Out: {"hour": 7, "minute": 42}
